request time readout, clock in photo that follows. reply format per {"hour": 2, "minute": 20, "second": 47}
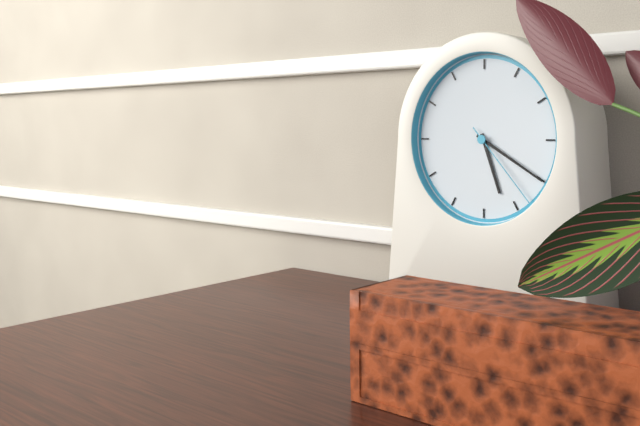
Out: {"hour": 5, "minute": 20, "second": 23}
